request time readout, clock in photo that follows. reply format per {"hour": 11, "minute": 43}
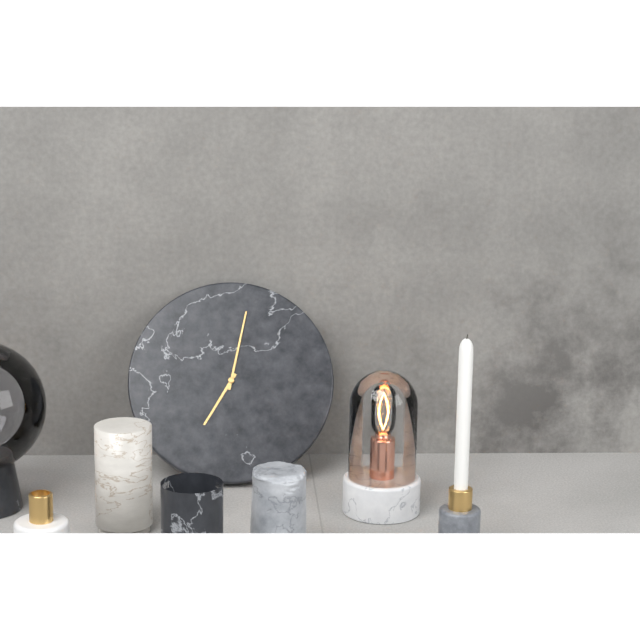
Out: {"hour": 7, "minute": 2}
